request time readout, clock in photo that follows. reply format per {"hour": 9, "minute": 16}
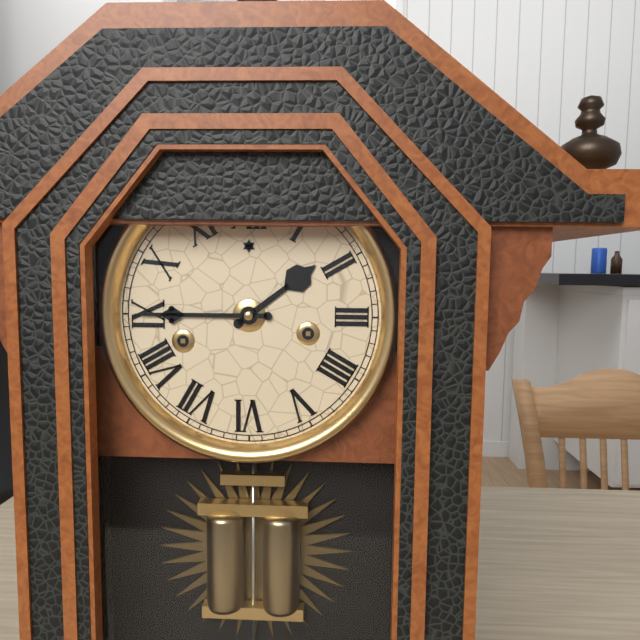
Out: {"hour": 1, "minute": 45}
